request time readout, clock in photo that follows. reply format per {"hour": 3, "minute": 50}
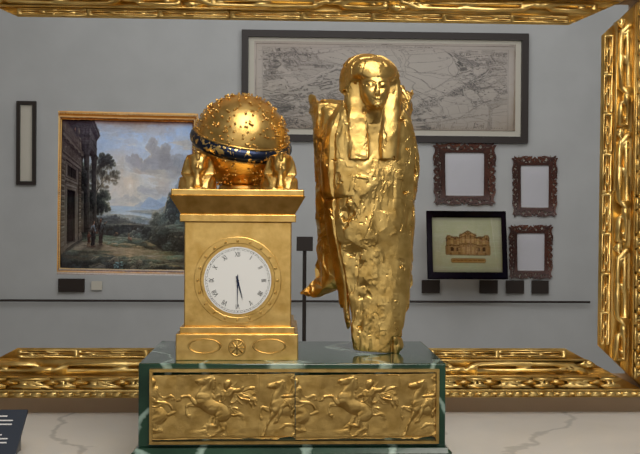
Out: {"hour": 5, "minute": 30}
